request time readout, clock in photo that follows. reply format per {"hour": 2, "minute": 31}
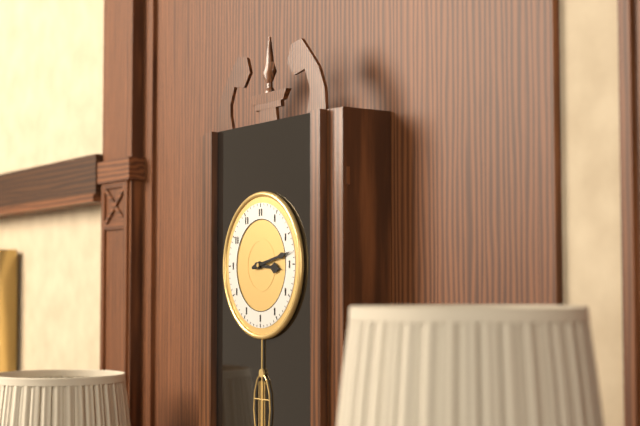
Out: {"hour": 3, "minute": 13}
